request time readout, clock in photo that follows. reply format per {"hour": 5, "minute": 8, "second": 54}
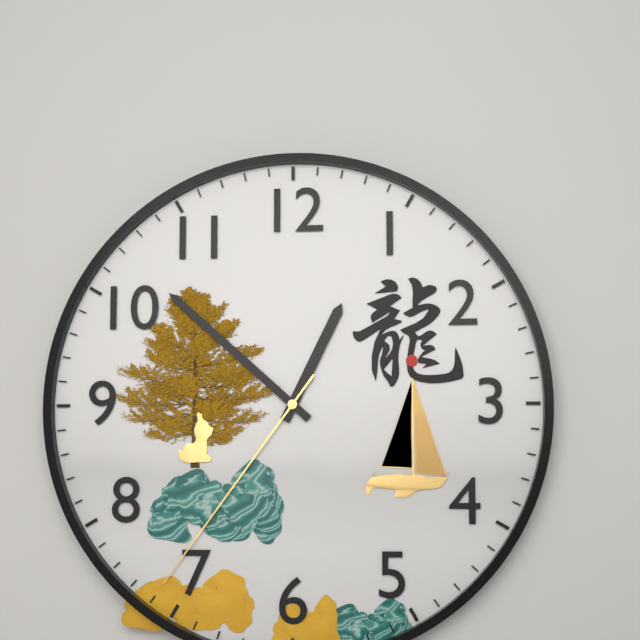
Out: {"hour": 12, "minute": 52, "second": 36}
